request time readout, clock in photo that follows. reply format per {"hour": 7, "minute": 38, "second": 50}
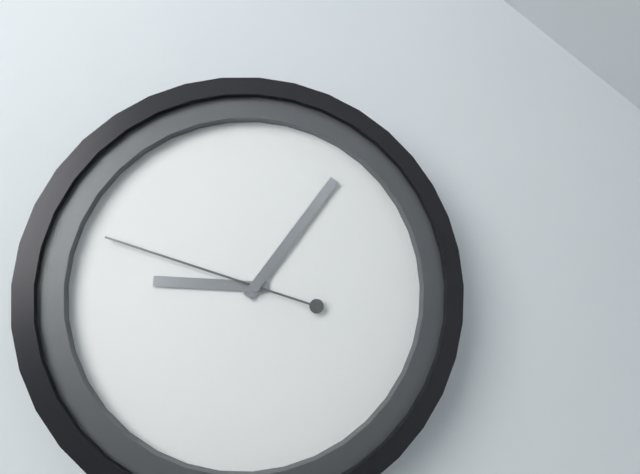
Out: {"hour": 9, "minute": 6, "second": 48}
